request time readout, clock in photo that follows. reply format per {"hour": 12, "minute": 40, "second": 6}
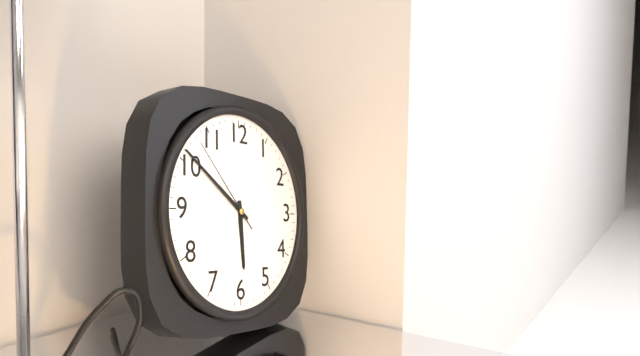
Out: {"hour": 5, "minute": 51, "second": 53}
